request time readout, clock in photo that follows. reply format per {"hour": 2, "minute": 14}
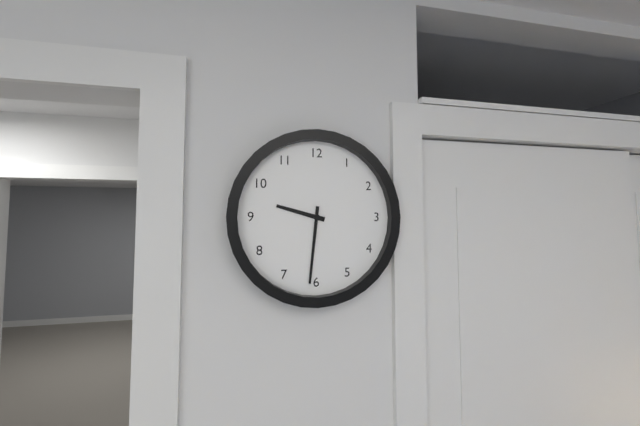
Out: {"hour": 9, "minute": 31}
